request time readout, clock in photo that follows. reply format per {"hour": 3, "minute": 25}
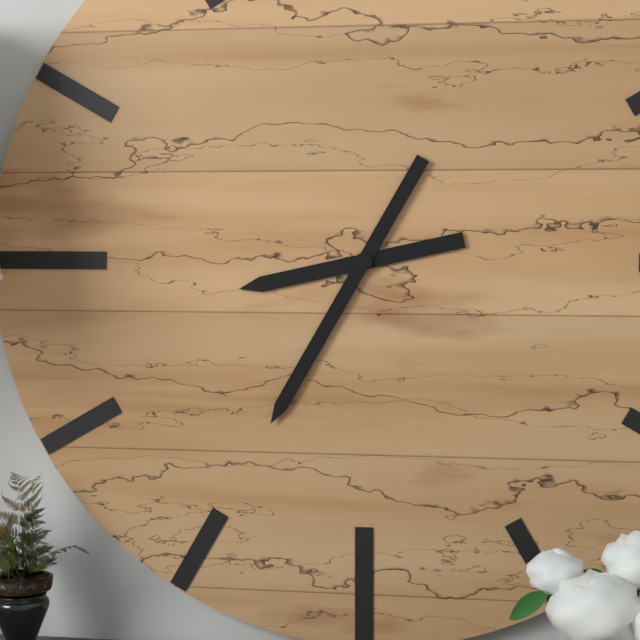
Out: {"hour": 8, "minute": 35}
